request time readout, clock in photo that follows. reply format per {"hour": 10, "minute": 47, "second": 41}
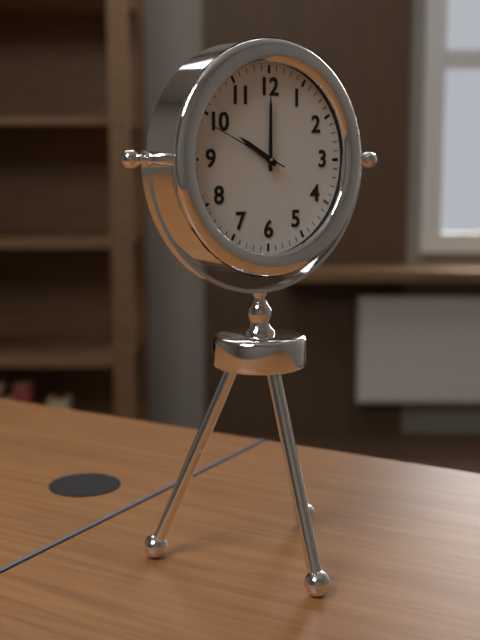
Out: {"hour": 10, "minute": 0, "second": 49}
